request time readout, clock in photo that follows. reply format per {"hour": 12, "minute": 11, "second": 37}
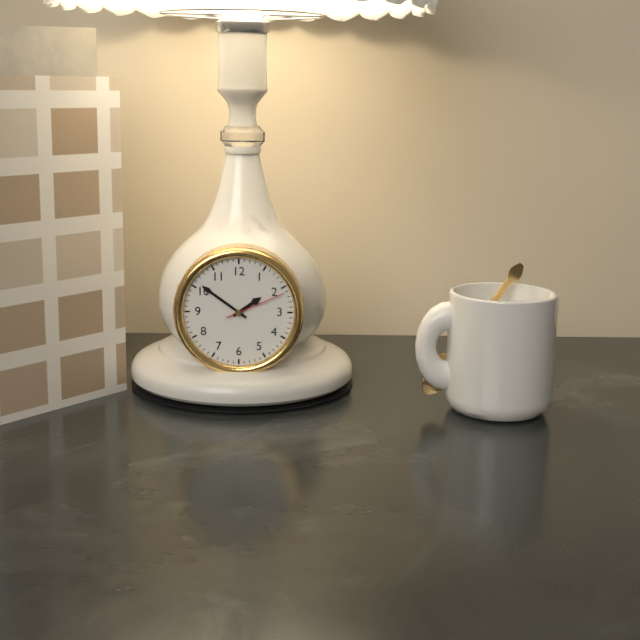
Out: {"hour": 1, "minute": 51, "second": 11}
